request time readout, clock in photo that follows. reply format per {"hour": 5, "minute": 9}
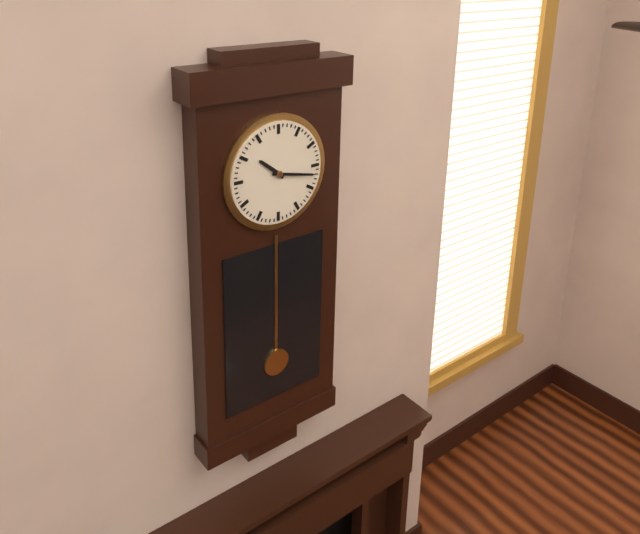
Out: {"hour": 10, "minute": 17}
